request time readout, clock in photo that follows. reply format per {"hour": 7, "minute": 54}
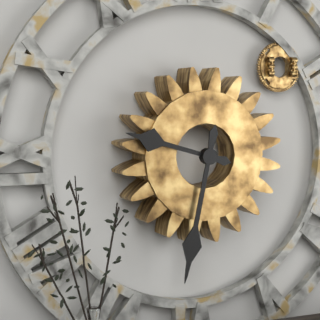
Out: {"hour": 9, "minute": 32}
